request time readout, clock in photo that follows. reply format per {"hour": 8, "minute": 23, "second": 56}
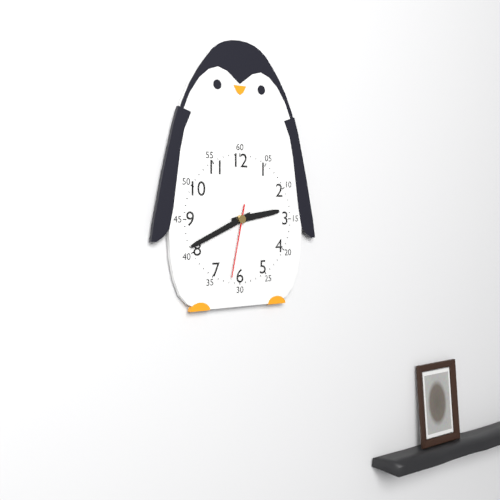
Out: {"hour": 2, "minute": 41, "second": 32}
